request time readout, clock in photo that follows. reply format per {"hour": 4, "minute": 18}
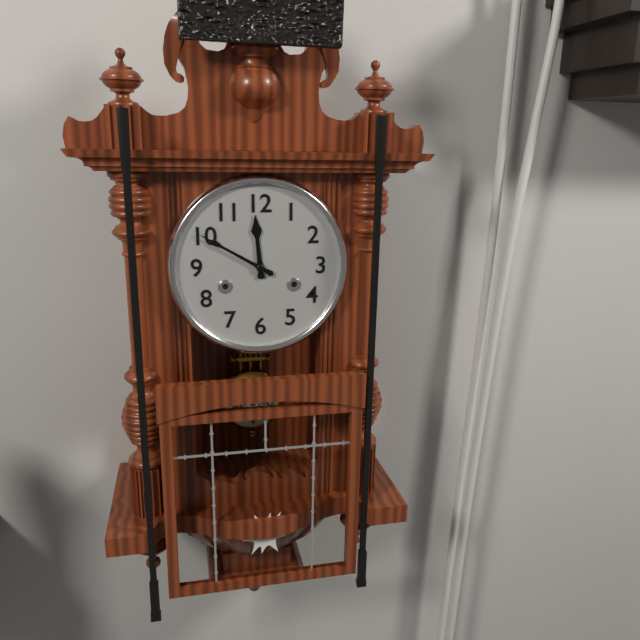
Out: {"hour": 11, "minute": 50}
